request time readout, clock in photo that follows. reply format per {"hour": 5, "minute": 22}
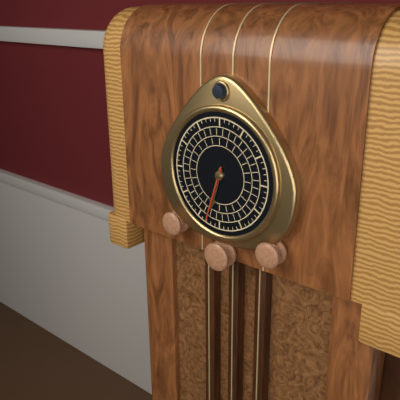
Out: {"hour": 6, "minute": 33}
